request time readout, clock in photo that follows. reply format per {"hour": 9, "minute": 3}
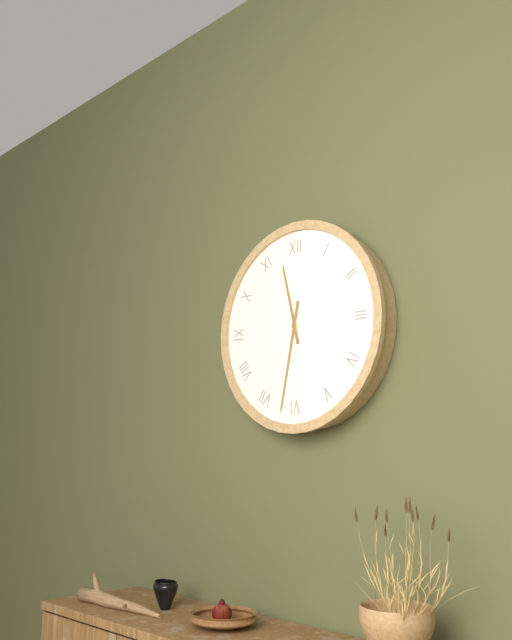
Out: {"hour": 11, "minute": 32}
